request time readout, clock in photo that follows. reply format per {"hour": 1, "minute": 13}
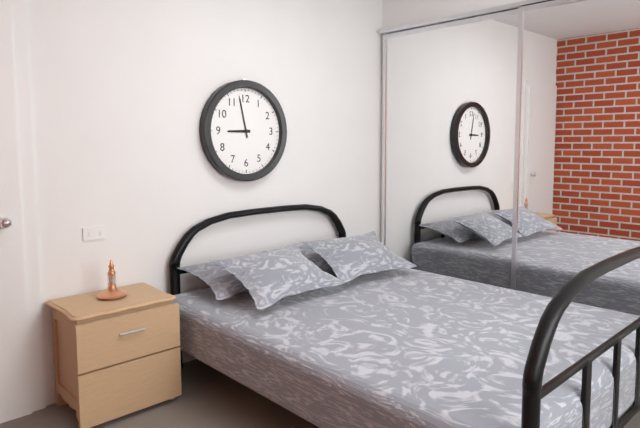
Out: {"hour": 8, "minute": 58}
